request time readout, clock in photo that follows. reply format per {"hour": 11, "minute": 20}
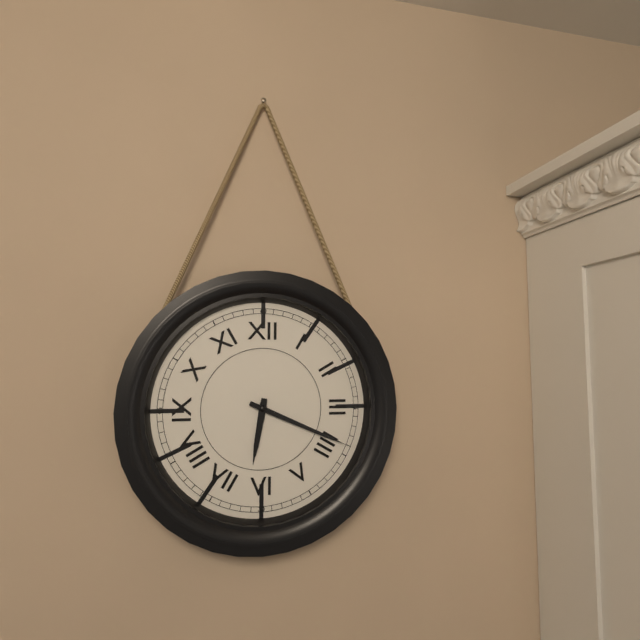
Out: {"hour": 6, "minute": 19}
